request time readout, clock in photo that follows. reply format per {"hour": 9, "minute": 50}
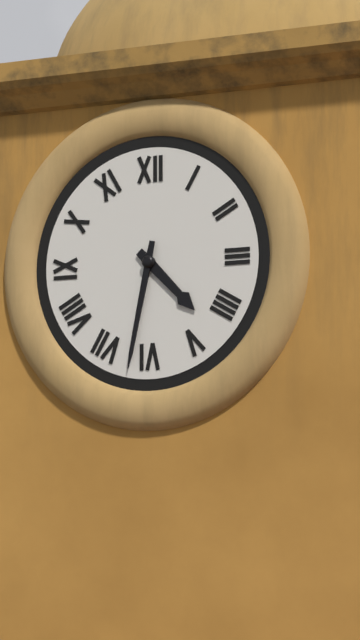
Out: {"hour": 4, "minute": 32}
